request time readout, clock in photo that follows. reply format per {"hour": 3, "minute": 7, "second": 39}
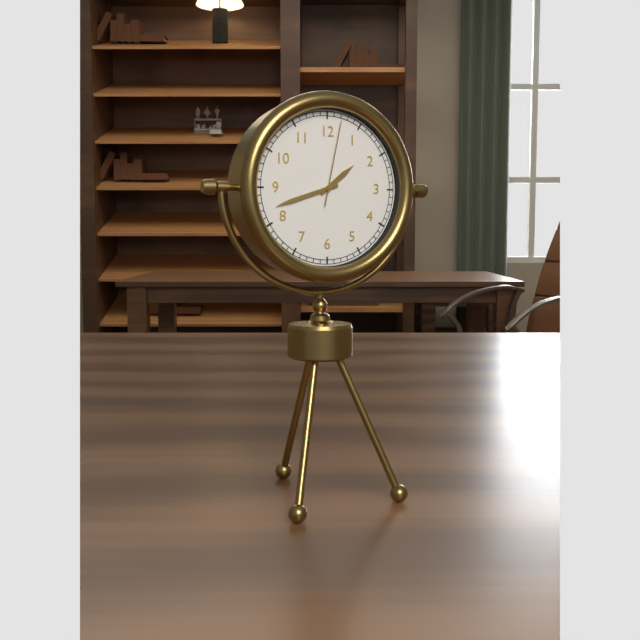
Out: {"hour": 1, "minute": 42, "second": 2}
